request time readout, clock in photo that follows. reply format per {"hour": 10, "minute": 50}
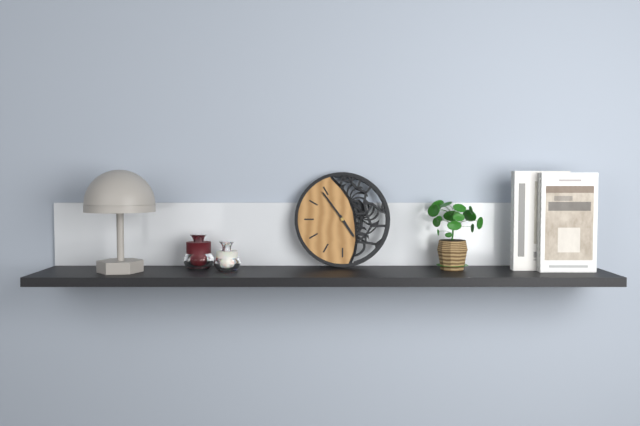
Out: {"hour": 4, "minute": 54}
